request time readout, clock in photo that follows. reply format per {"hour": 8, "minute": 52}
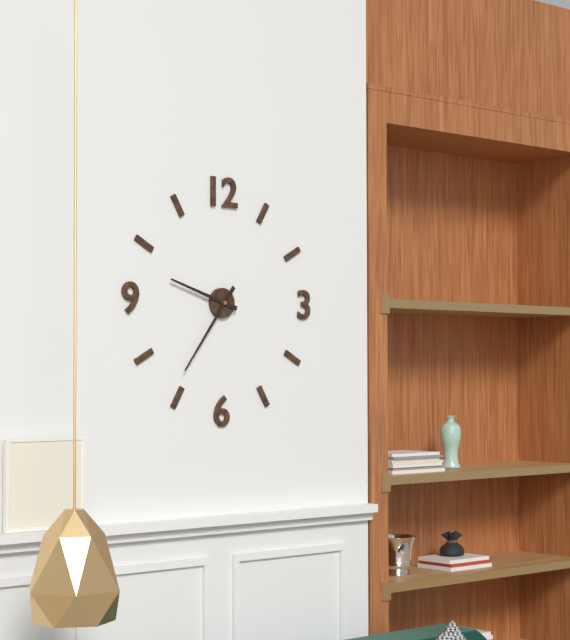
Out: {"hour": 9, "minute": 36}
